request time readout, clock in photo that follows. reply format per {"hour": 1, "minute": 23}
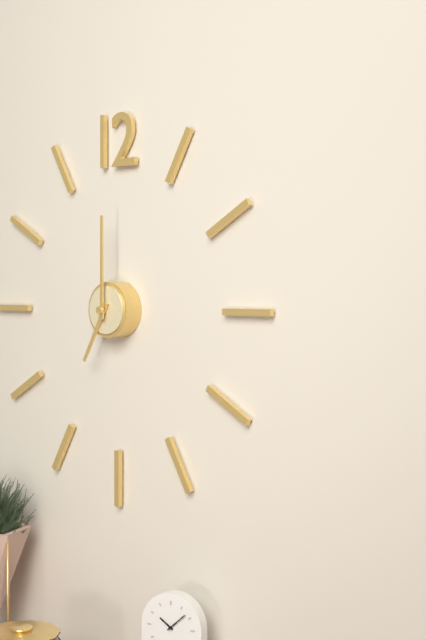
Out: {"hour": 7, "minute": 0}
